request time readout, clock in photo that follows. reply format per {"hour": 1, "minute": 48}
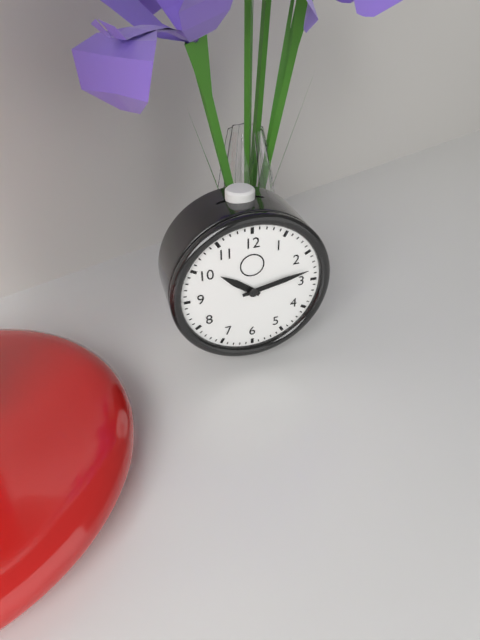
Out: {"hour": 10, "minute": 13}
